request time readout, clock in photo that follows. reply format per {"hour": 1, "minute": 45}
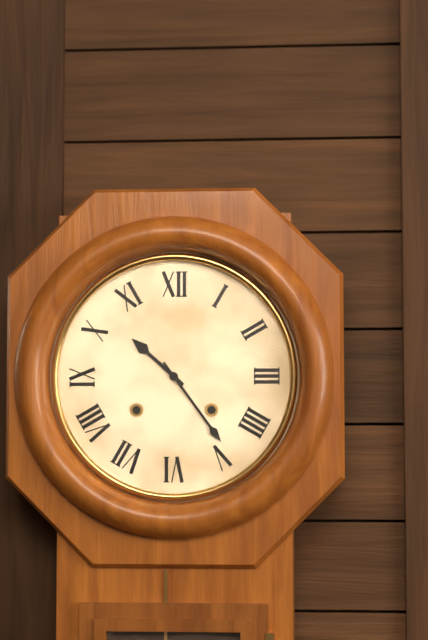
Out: {"hour": 10, "minute": 24}
